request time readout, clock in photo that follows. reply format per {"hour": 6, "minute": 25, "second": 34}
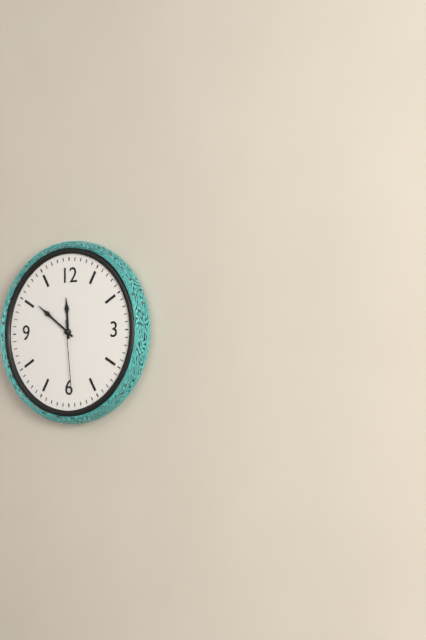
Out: {"hour": 11, "minute": 51, "second": 29}
